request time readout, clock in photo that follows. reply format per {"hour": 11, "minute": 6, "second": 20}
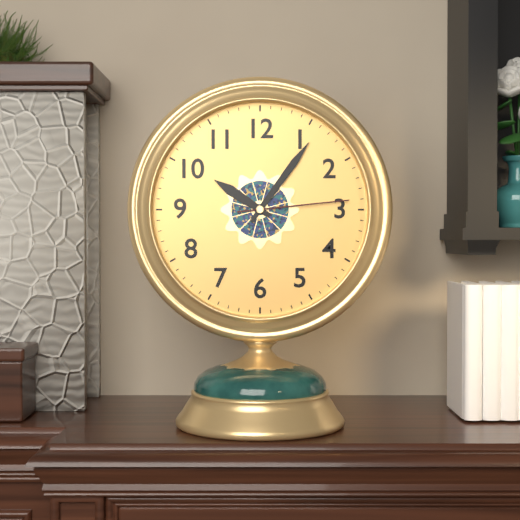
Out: {"hour": 10, "minute": 6, "second": 14}
